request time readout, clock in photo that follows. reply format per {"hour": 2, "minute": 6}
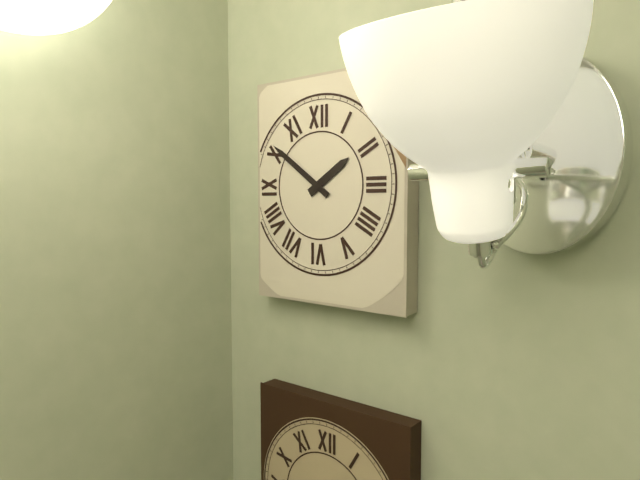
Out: {"hour": 1, "minute": 51}
